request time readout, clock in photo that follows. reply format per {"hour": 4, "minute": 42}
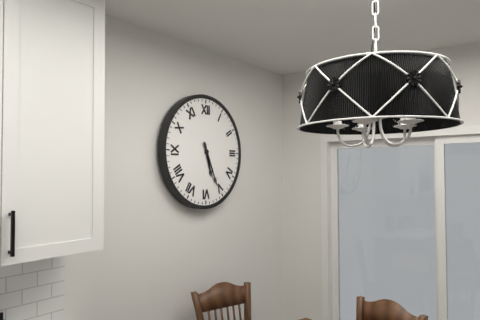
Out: {"hour": 5, "minute": 26}
